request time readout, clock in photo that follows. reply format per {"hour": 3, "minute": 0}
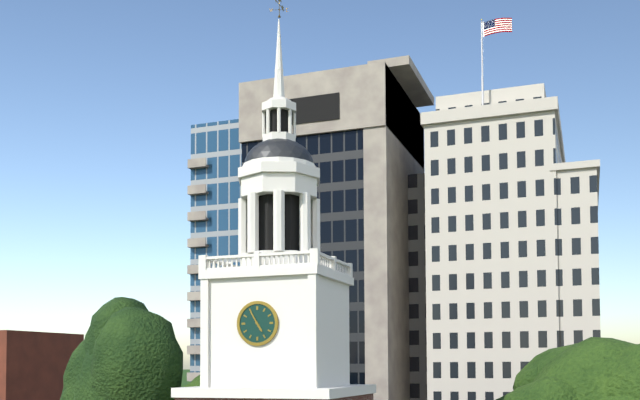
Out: {"hour": 4, "minute": 55}
